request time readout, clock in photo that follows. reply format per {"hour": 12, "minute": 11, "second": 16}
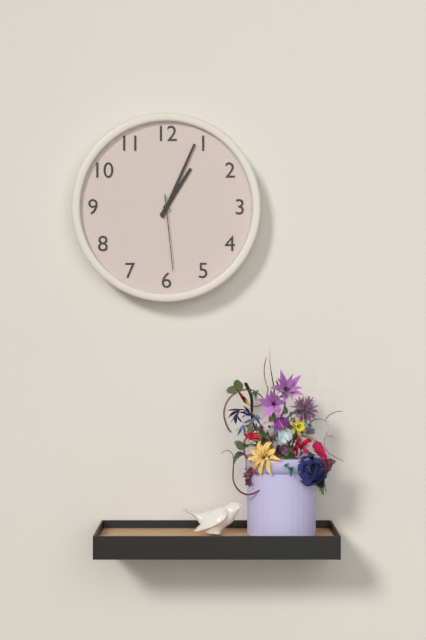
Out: {"hour": 1, "minute": 4, "second": 29}
